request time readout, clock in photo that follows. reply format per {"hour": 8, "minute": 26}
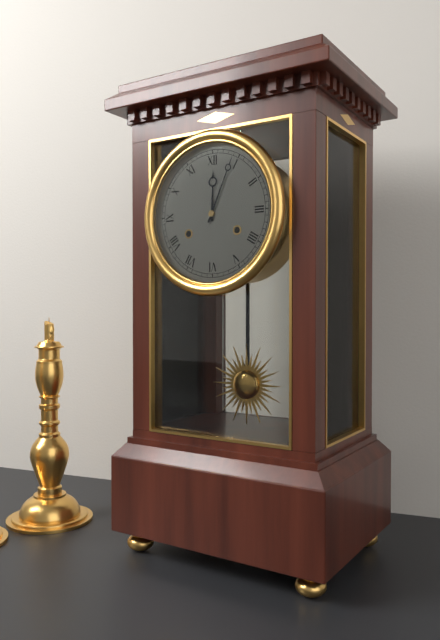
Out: {"hour": 12, "minute": 4}
